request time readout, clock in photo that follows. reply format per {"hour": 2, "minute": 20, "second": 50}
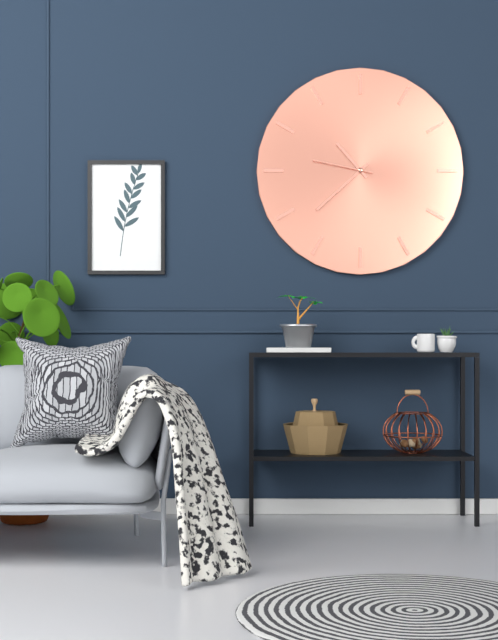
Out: {"hour": 10, "minute": 38, "second": 47}
